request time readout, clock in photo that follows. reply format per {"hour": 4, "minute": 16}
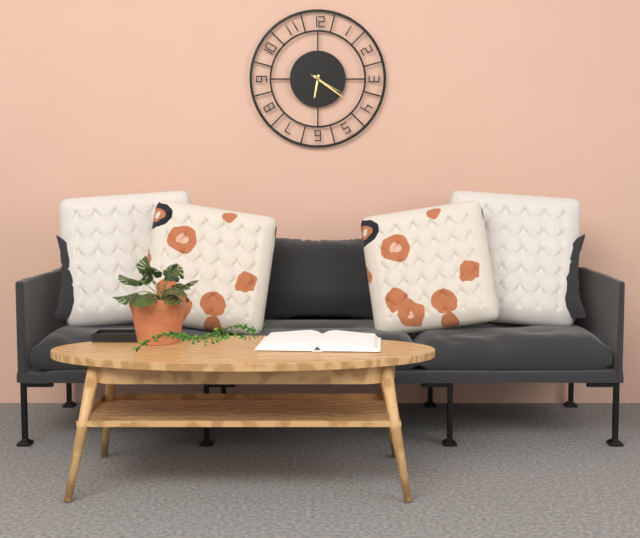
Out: {"hour": 6, "minute": 21}
